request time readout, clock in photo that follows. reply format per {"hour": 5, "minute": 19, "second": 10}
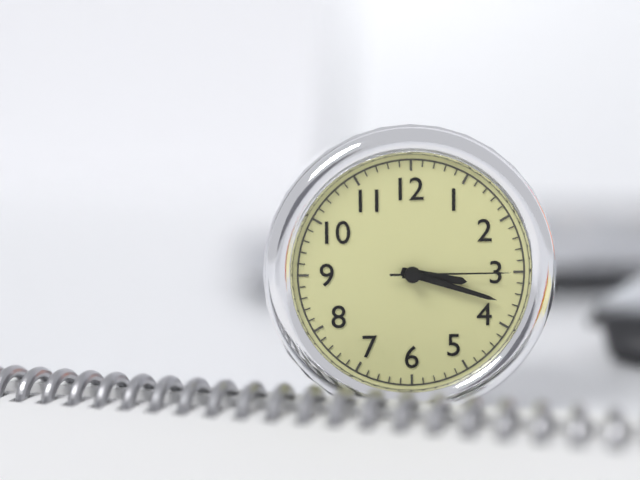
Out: {"hour": 3, "minute": 18, "second": 15}
